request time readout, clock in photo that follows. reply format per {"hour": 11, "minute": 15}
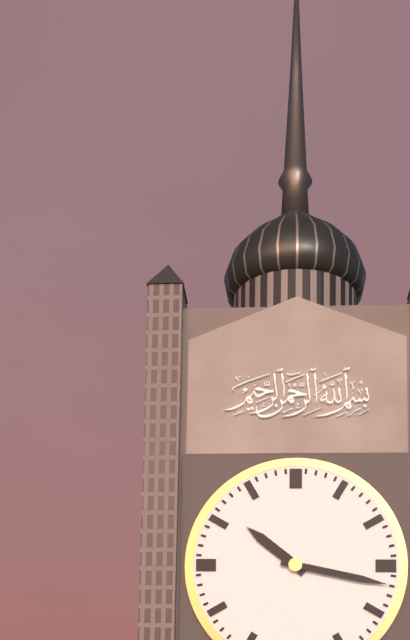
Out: {"hour": 10, "minute": 17}
